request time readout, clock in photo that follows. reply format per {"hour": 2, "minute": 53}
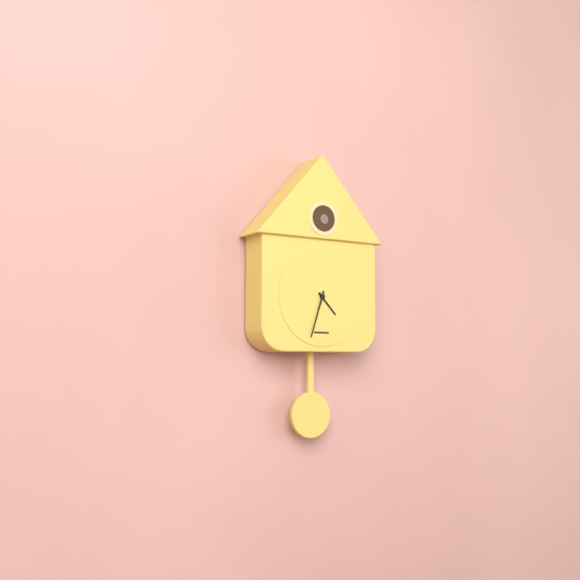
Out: {"hour": 4, "minute": 33}
